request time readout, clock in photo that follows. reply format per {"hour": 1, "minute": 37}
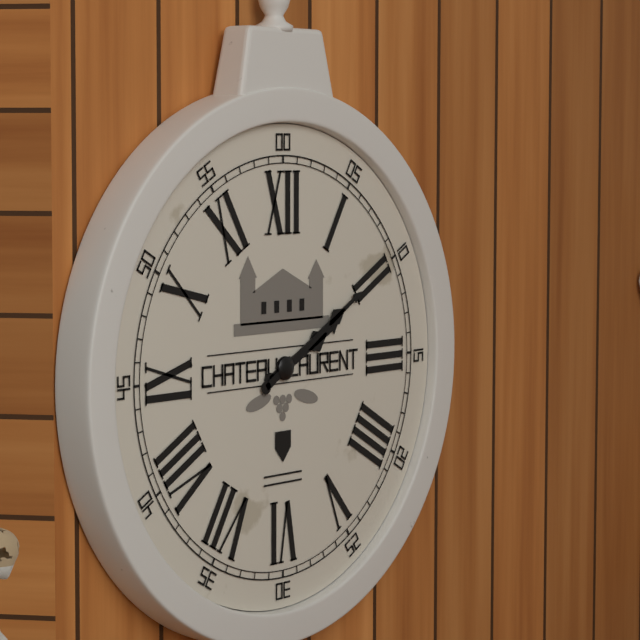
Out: {"hour": 2, "minute": 10}
